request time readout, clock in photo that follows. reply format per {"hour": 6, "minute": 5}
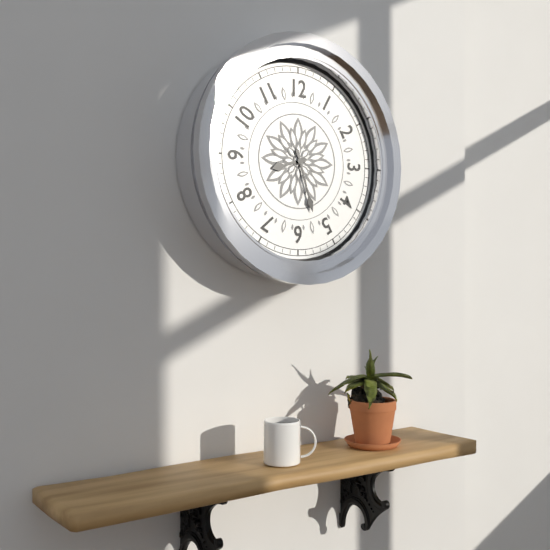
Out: {"hour": 8, "minute": 27}
